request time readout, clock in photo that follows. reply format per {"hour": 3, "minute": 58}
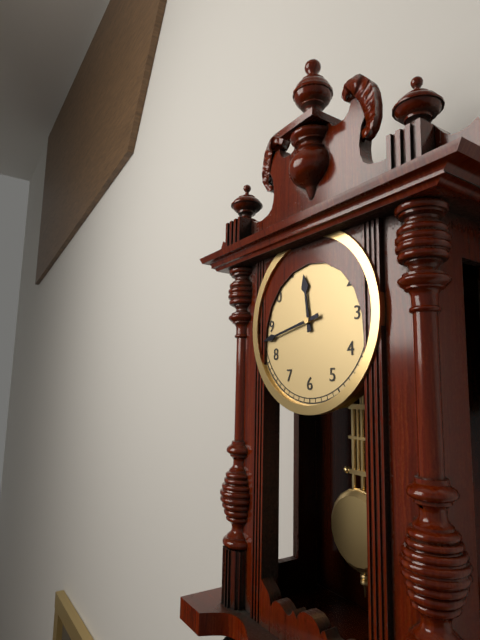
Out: {"hour": 11, "minute": 43}
